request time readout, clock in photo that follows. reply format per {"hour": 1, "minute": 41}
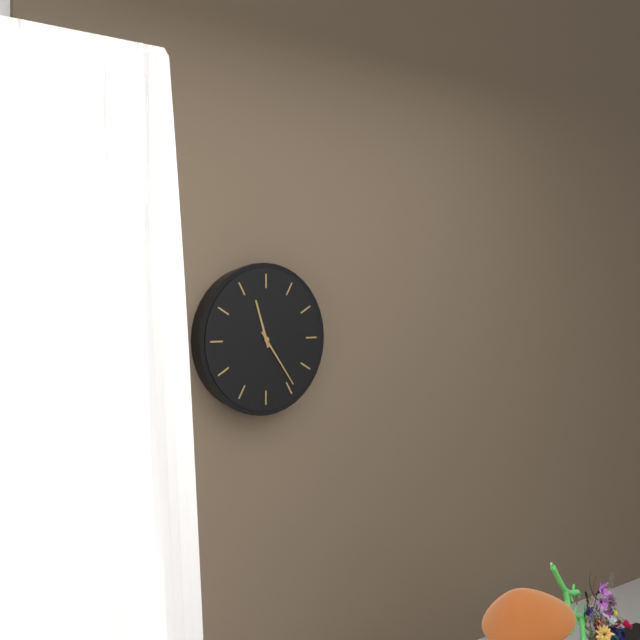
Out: {"hour": 11, "minute": 24}
